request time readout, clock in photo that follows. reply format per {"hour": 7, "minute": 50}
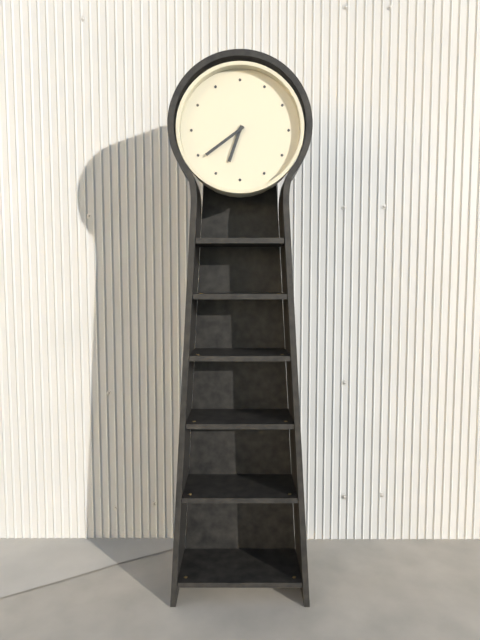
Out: {"hour": 6, "minute": 39}
